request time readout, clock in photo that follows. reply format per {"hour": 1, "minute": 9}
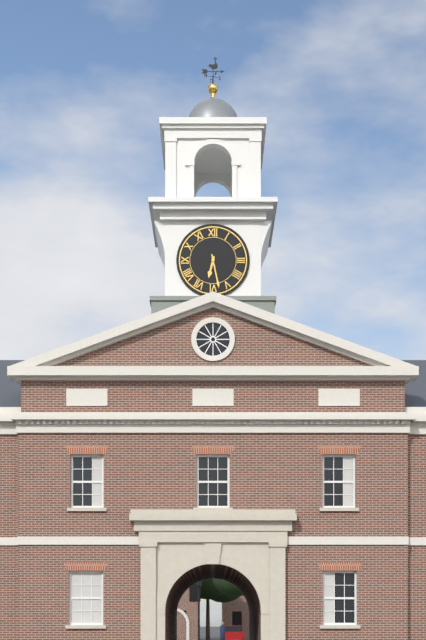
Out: {"hour": 6, "minute": 28}
